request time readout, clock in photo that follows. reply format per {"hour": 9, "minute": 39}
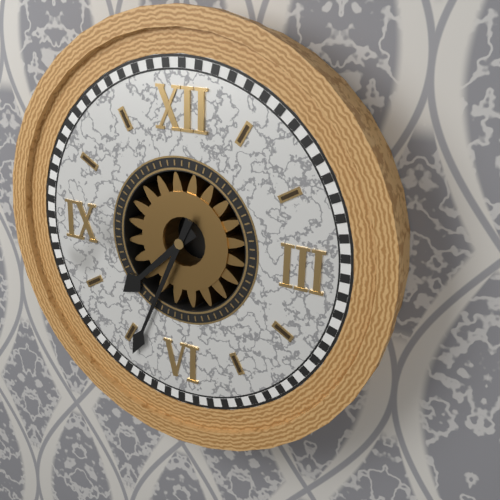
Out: {"hour": 7, "minute": 34}
